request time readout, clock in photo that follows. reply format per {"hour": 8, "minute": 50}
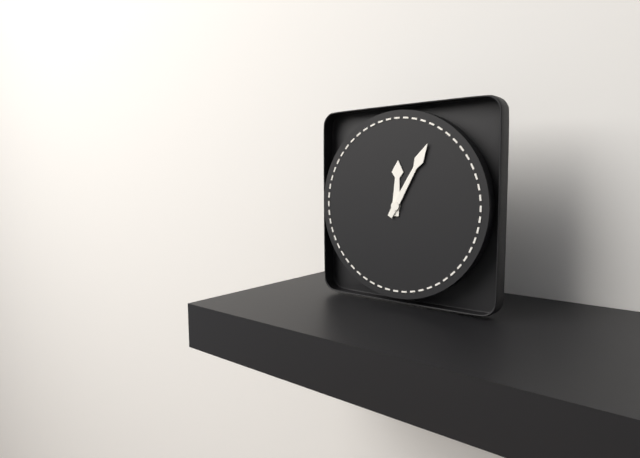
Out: {"hour": 12, "minute": 5}
